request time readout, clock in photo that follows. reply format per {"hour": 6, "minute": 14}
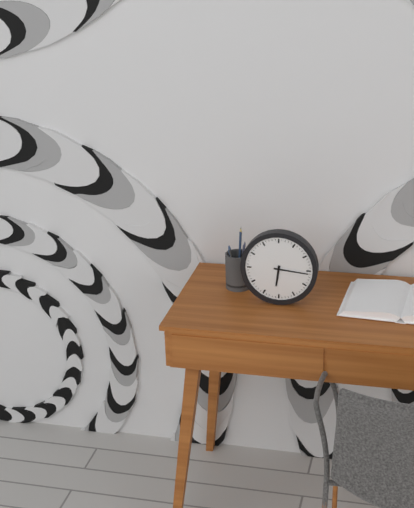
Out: {"hour": 6, "minute": 16}
